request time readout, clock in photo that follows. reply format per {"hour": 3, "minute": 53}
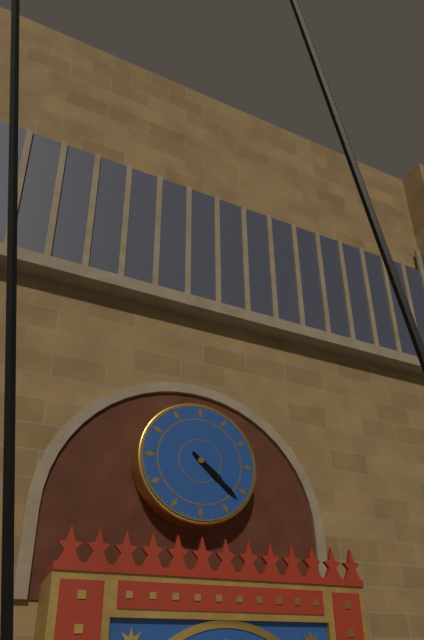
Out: {"hour": 4, "minute": 22}
